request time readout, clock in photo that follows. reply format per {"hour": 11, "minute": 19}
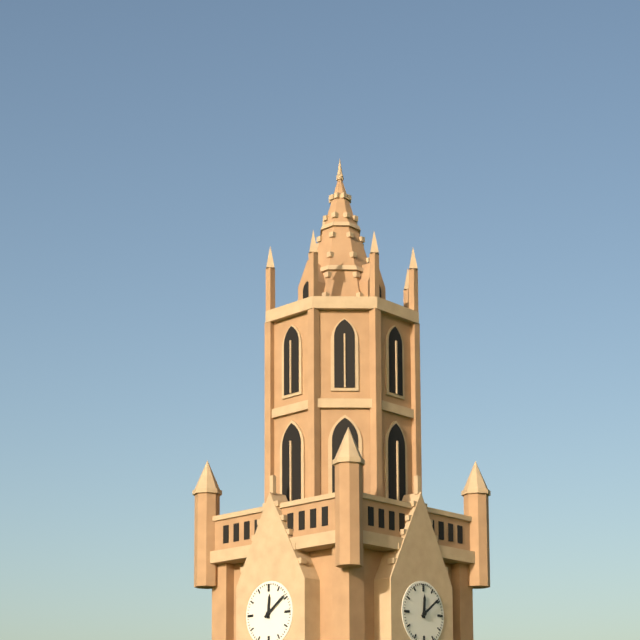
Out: {"hour": 12, "minute": 9}
